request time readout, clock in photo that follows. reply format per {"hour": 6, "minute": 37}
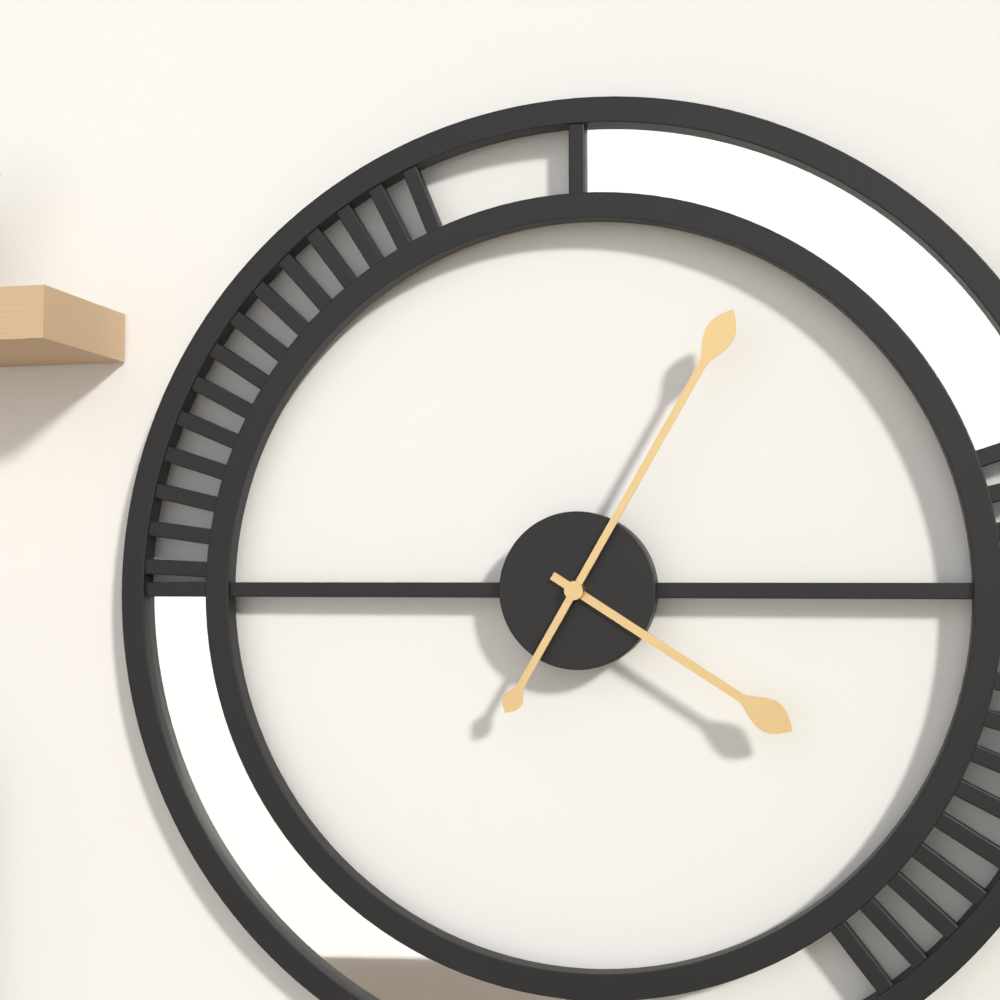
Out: {"hour": 4, "minute": 5}
